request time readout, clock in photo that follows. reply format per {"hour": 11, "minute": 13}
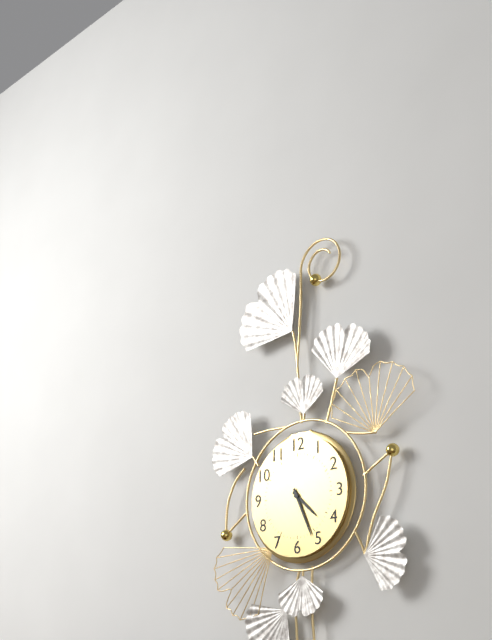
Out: {"hour": 4, "minute": 26}
